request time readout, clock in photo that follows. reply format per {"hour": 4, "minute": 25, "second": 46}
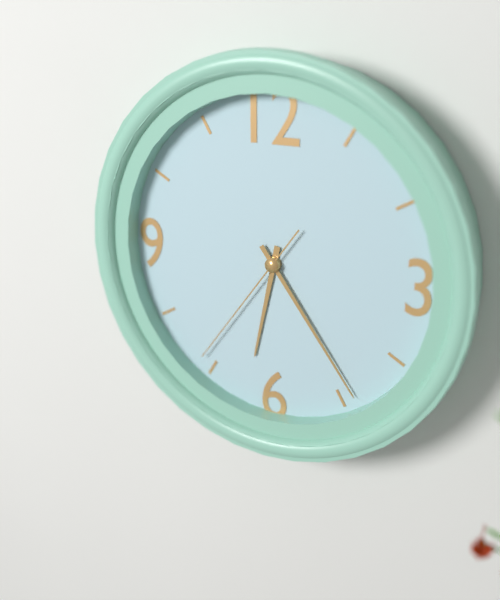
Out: {"hour": 6, "minute": 24, "second": 36}
